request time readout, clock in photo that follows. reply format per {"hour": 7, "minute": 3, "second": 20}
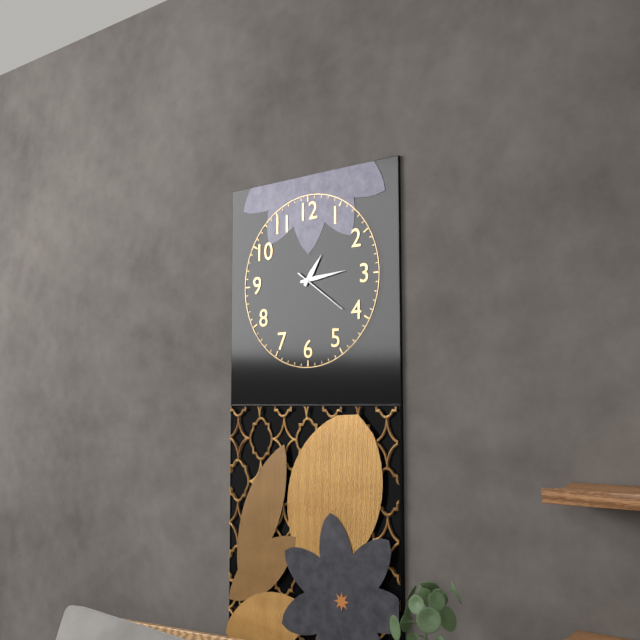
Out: {"hour": 1, "minute": 14, "second": 21}
